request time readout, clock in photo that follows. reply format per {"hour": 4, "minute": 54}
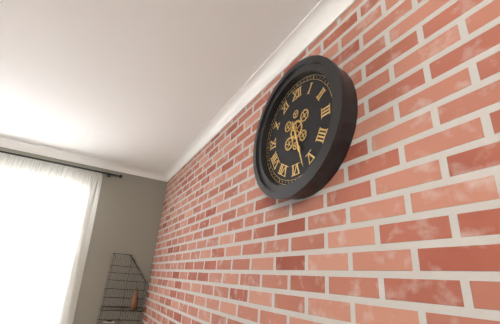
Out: {"hour": 5, "minute": 27}
